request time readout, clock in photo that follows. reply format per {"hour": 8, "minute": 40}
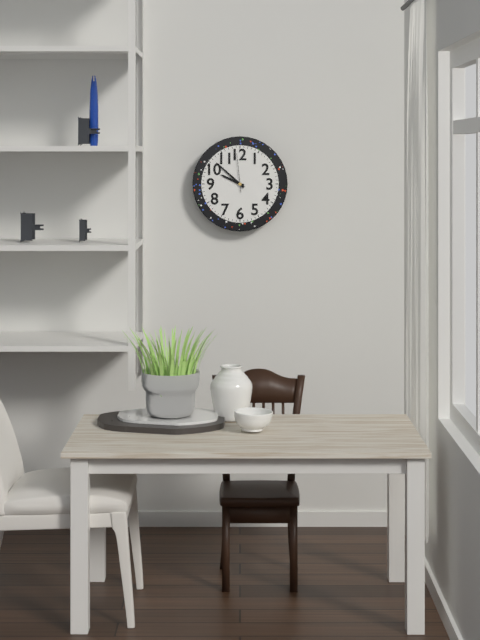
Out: {"hour": 9, "minute": 52}
